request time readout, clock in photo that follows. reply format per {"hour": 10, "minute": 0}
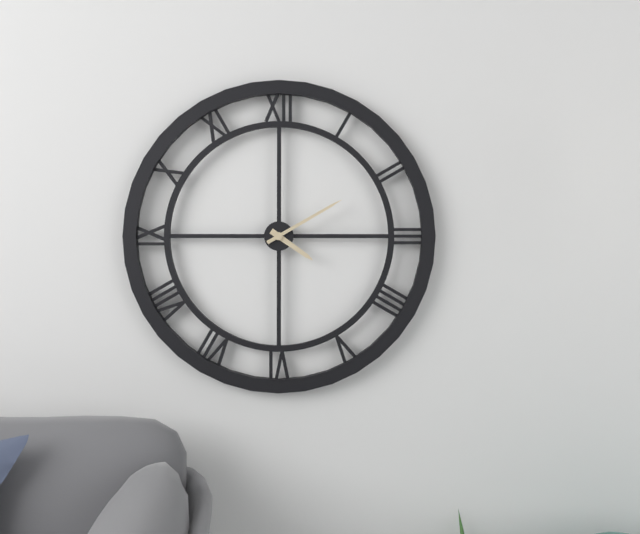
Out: {"hour": 4, "minute": 10}
